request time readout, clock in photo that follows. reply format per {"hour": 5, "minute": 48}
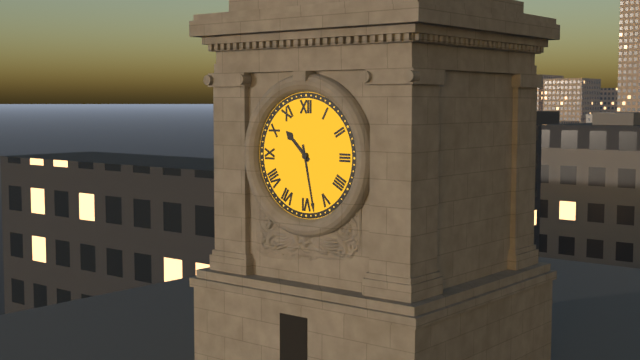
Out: {"hour": 10, "minute": 28}
